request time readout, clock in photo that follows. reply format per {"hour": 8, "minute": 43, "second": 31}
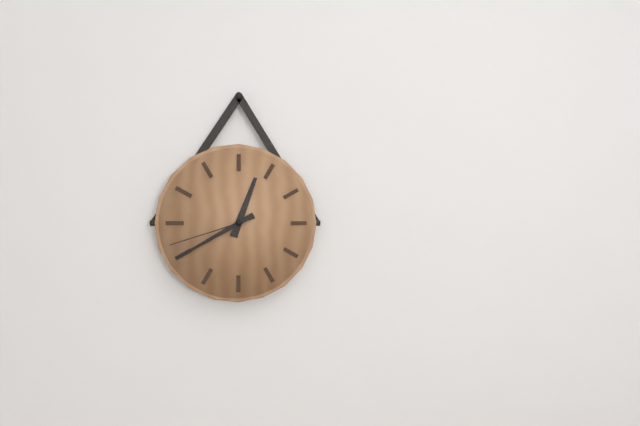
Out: {"hour": 12, "minute": 40, "second": 42}
